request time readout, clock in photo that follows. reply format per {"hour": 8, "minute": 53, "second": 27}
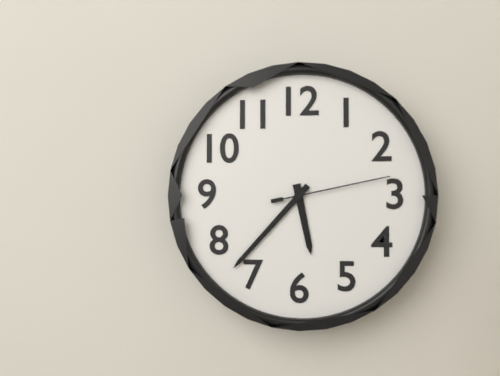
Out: {"hour": 5, "minute": 37, "second": 13}
